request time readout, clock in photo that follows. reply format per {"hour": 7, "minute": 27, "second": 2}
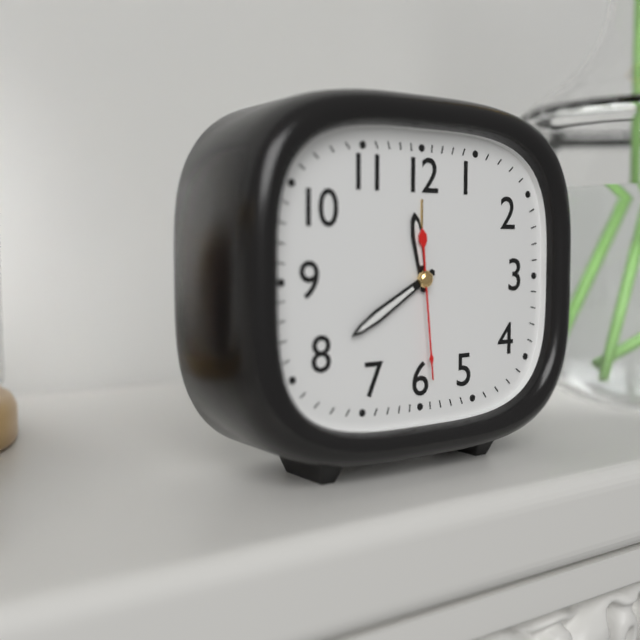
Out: {"hour": 11, "minute": 40, "second": 29}
